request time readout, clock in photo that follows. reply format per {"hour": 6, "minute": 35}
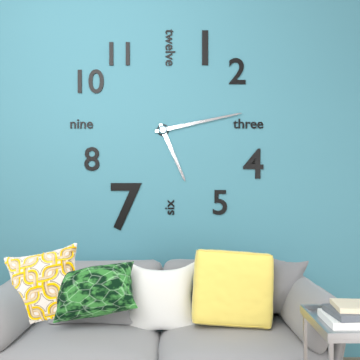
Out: {"hour": 5, "minute": 13}
